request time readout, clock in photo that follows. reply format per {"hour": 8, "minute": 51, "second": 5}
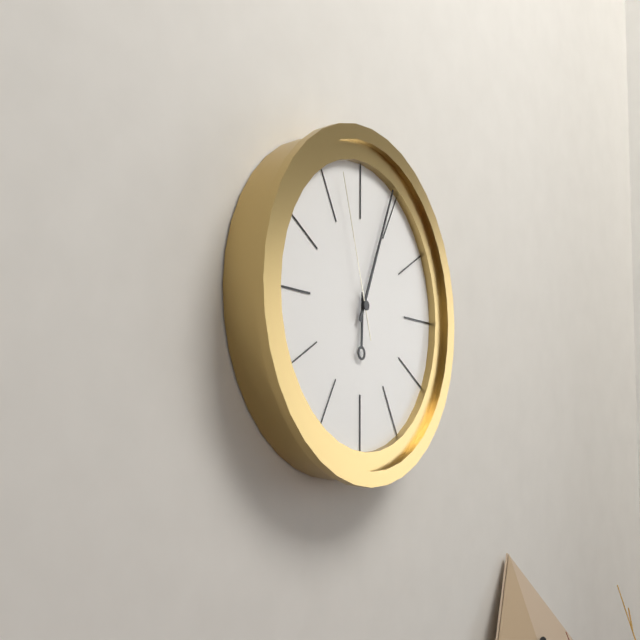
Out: {"hour": 6, "minute": 4, "second": 57}
